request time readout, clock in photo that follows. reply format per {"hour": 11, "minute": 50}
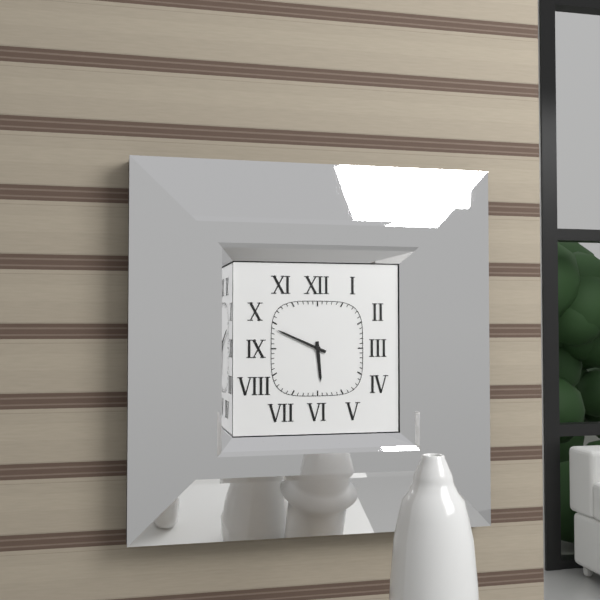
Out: {"hour": 5, "minute": 49}
